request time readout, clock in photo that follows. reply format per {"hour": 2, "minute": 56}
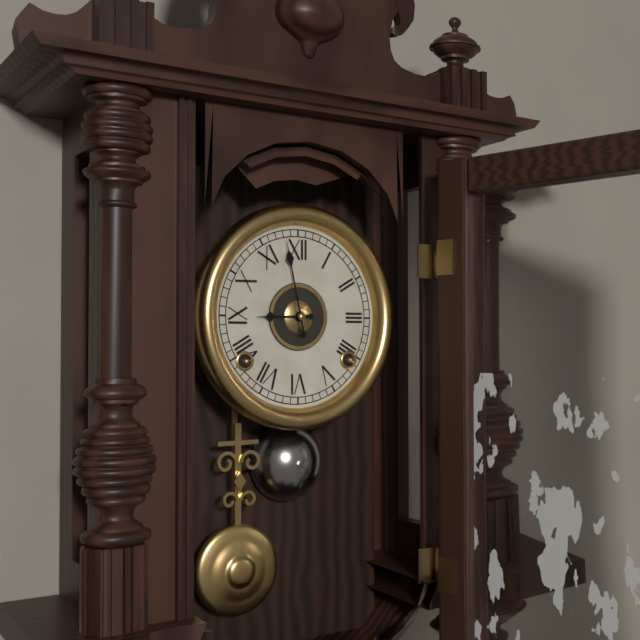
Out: {"hour": 8, "minute": 58}
